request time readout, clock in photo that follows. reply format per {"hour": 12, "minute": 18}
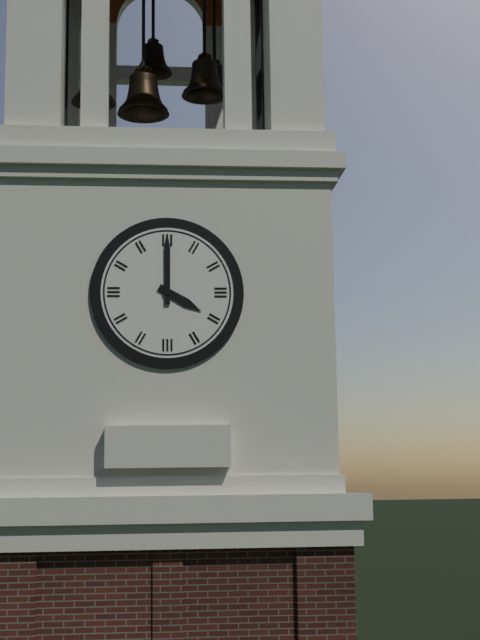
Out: {"hour": 4, "minute": 0}
